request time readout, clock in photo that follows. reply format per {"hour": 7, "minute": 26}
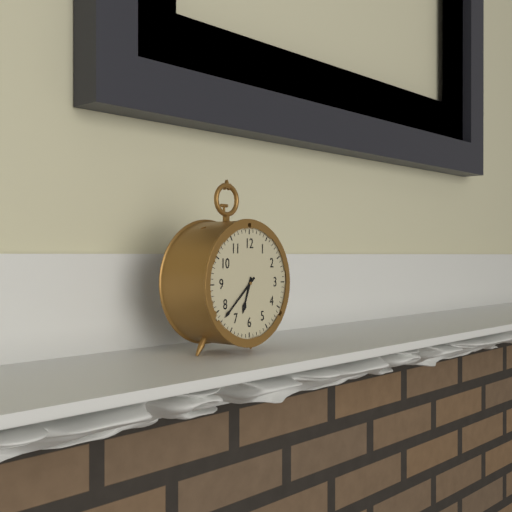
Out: {"hour": 6, "minute": 38}
